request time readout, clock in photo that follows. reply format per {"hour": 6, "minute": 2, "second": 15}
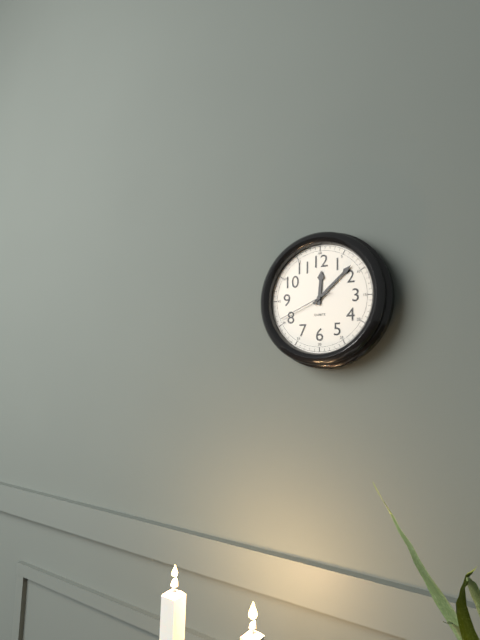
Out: {"hour": 12, "minute": 8, "second": 41}
